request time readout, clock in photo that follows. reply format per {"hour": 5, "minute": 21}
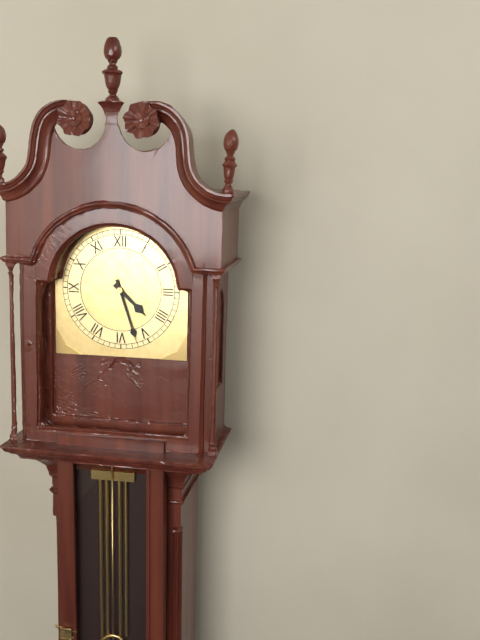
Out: {"hour": 4, "minute": 27}
